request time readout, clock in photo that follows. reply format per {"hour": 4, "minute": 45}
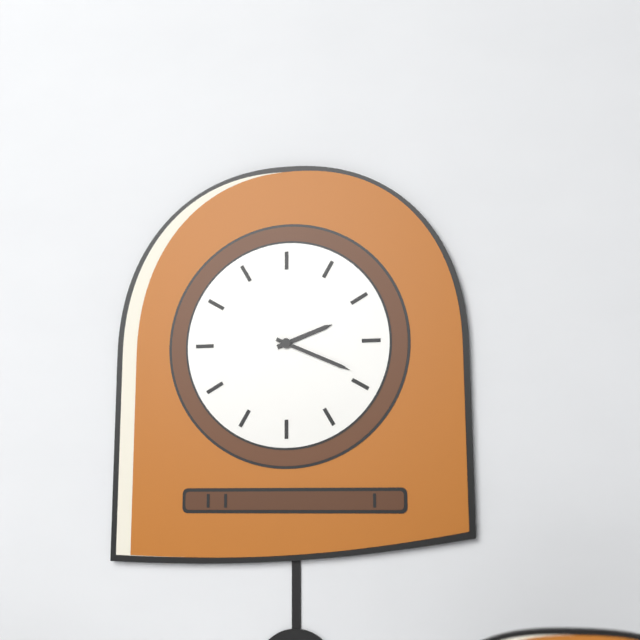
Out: {"hour": 2, "minute": 19}
